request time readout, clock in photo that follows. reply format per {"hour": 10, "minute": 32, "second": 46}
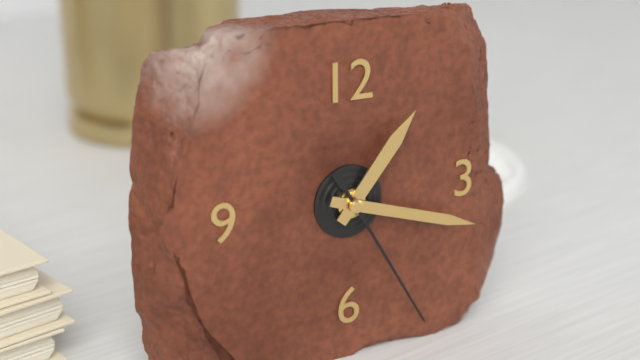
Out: {"hour": 1, "minute": 18, "second": 25}
